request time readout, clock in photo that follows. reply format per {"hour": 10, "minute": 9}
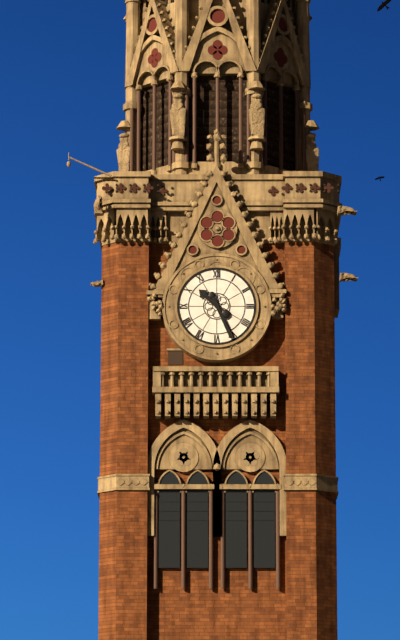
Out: {"hour": 10, "minute": 26}
